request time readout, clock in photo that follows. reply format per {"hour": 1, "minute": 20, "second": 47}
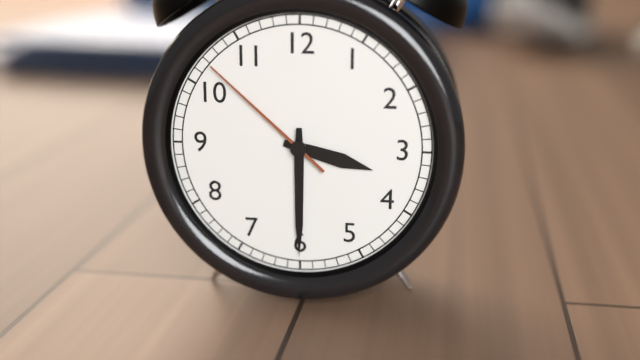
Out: {"hour": 3, "minute": 30, "second": 52}
